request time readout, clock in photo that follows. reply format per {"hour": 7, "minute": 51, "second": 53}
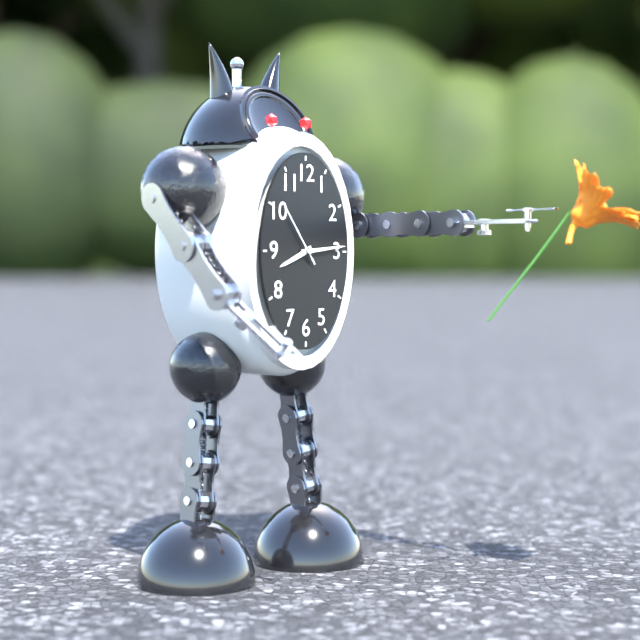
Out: {"hour": 8, "minute": 14, "second": 54}
